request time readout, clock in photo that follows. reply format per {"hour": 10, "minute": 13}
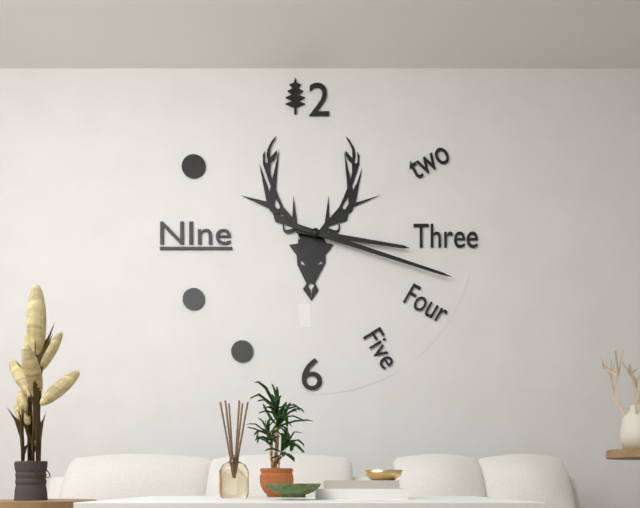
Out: {"hour": 3, "minute": 18}
